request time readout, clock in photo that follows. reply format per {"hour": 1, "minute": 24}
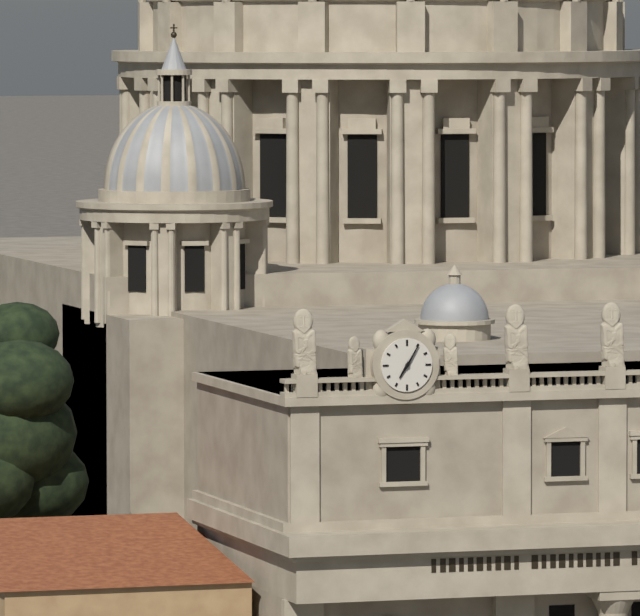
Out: {"hour": 7, "minute": 5}
